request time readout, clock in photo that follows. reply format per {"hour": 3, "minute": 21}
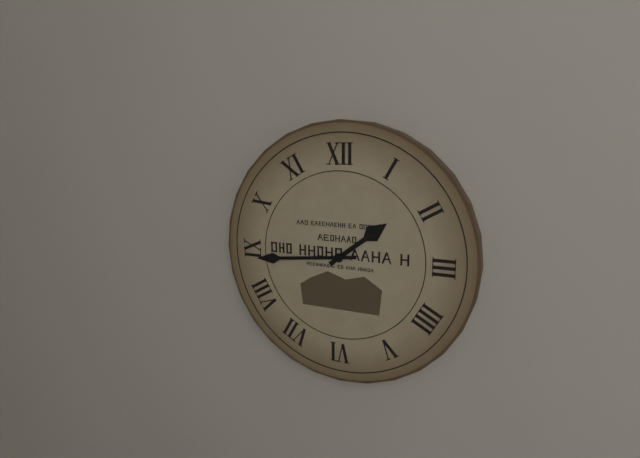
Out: {"hour": 1, "minute": 44}
